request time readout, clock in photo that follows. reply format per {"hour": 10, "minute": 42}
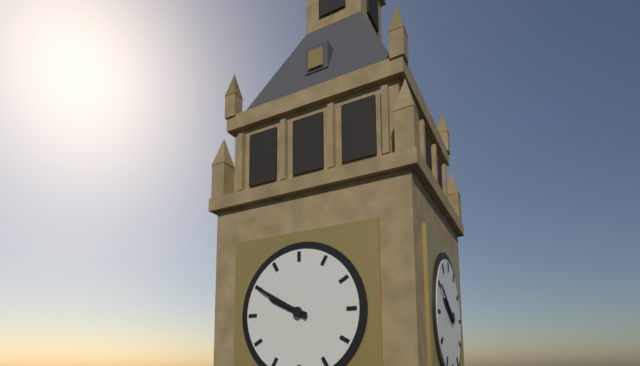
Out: {"hour": 9, "minute": 50}
